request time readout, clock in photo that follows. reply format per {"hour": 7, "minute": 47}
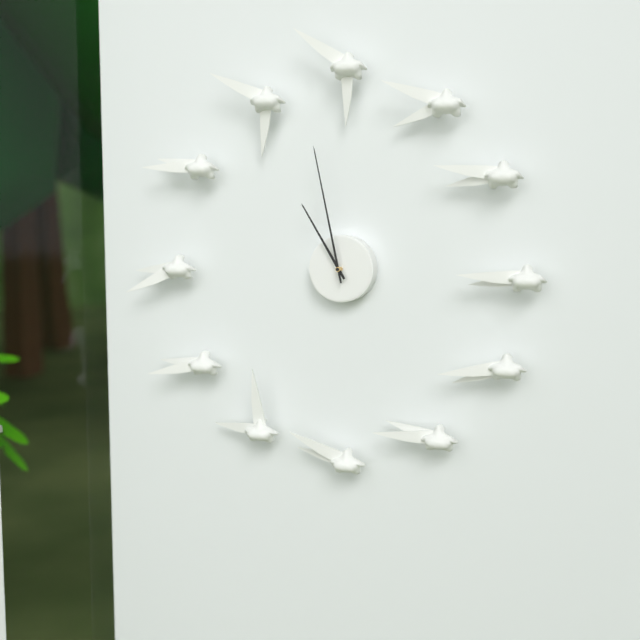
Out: {"hour": 10, "minute": 58}
